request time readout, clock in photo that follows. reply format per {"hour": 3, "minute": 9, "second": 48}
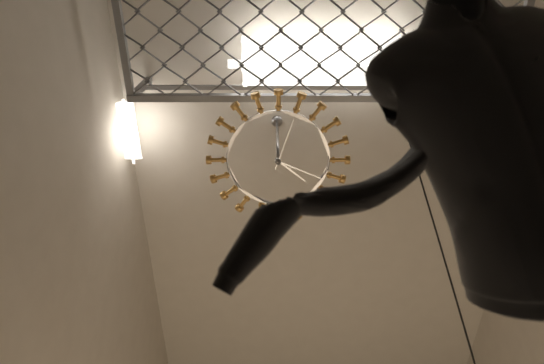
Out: {"hour": 4, "minute": 19, "second": 3}
